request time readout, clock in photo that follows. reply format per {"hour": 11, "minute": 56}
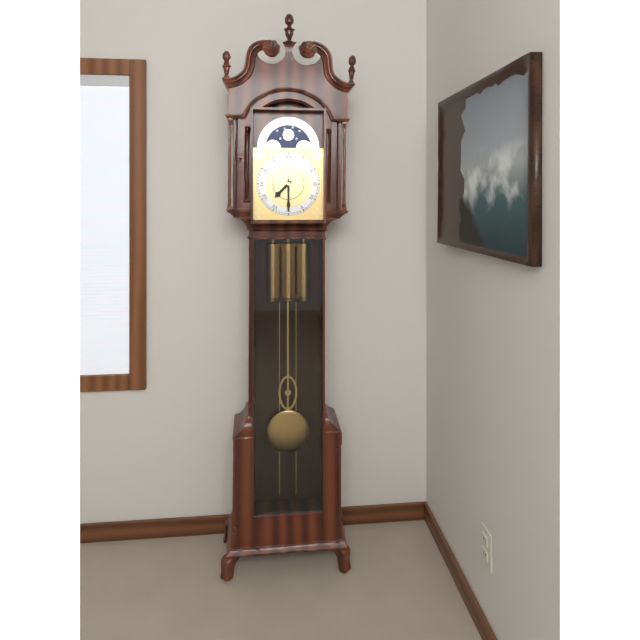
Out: {"hour": 7, "minute": 30}
